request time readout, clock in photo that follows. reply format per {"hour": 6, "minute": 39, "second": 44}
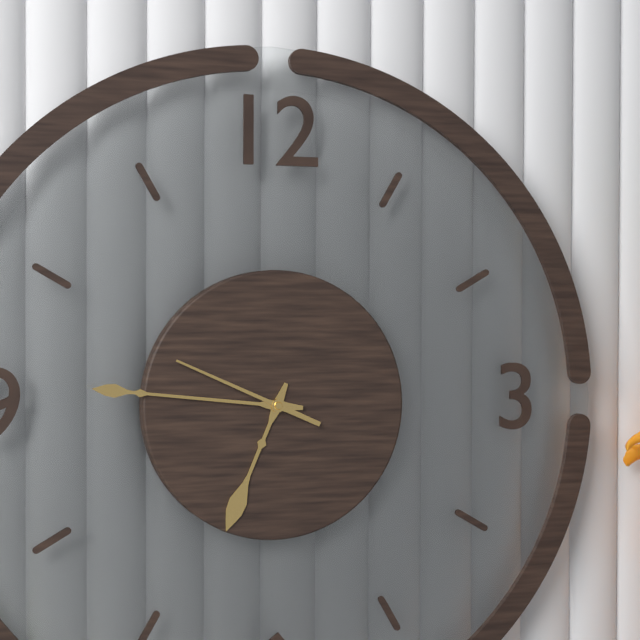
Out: {"hour": 6, "minute": 46, "second": 49}
